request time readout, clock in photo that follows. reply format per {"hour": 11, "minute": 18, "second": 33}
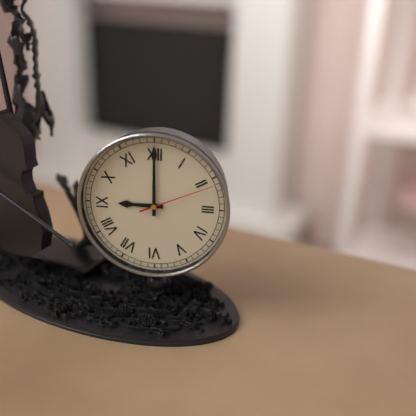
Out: {"hour": 9, "minute": 0, "second": 11}
